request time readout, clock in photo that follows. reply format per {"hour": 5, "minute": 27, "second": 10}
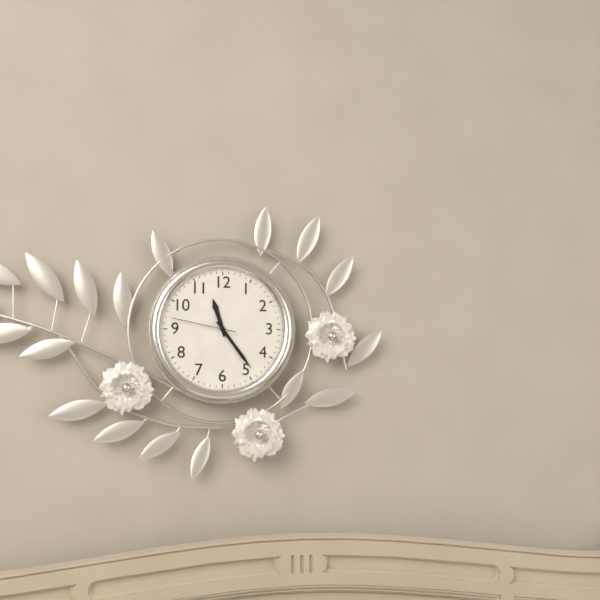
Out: {"hour": 11, "minute": 24, "second": 47}
